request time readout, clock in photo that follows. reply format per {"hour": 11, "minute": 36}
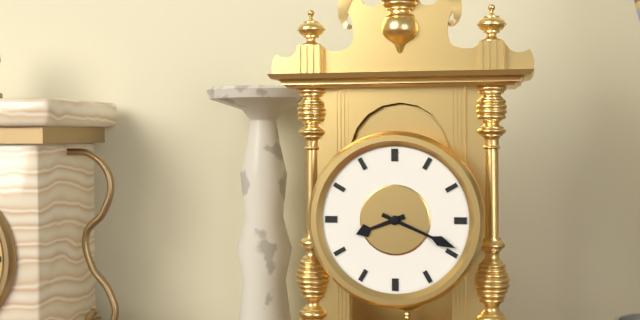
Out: {"hour": 8, "minute": 19}
